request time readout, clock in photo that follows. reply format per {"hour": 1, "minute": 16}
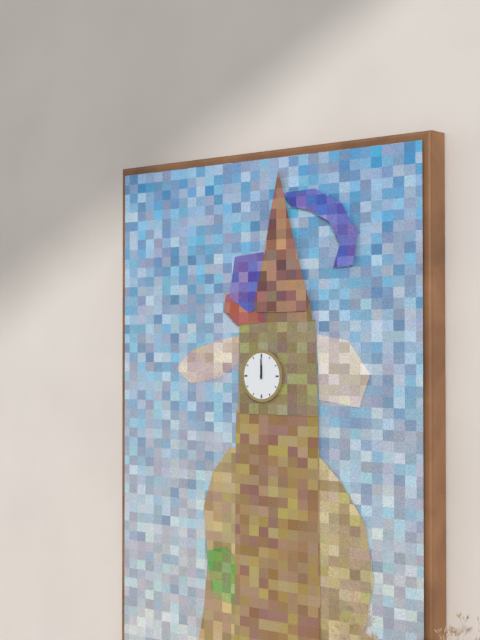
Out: {"hour": 12, "minute": 0}
